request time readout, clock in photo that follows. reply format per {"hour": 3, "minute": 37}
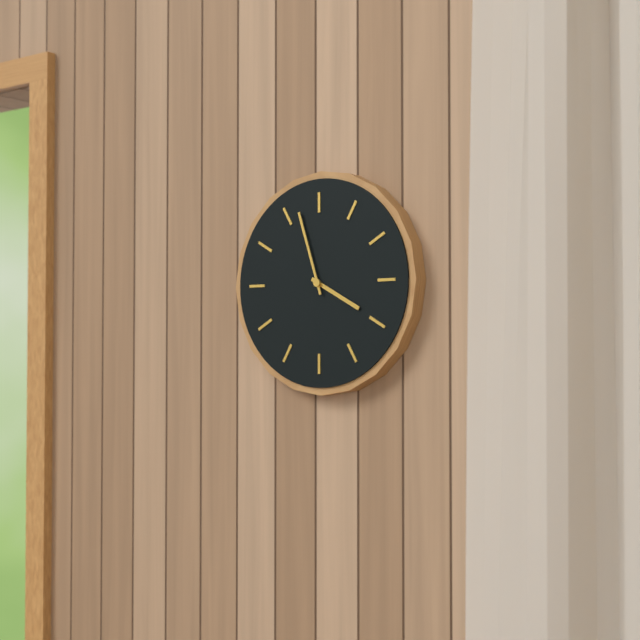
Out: {"hour": 3, "minute": 57}
